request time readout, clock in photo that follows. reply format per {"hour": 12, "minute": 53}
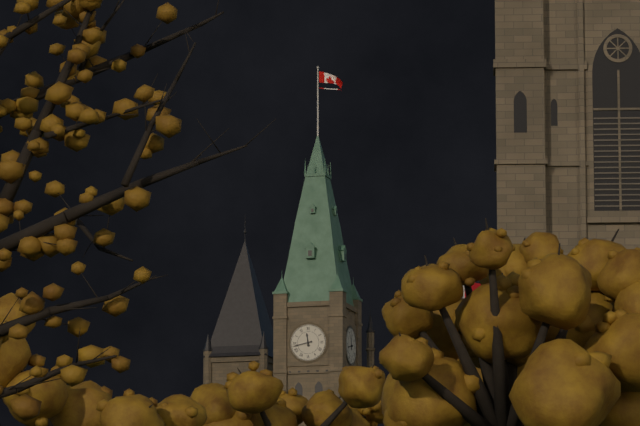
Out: {"hour": 11, "minute": 43}
